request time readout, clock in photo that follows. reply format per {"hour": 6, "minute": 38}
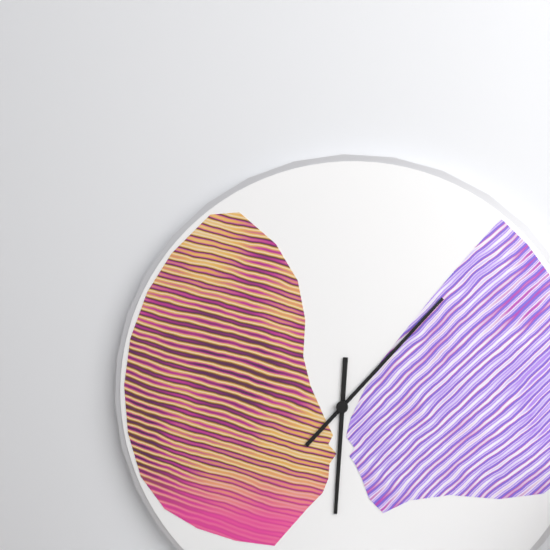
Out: {"hour": 6, "minute": 7}
